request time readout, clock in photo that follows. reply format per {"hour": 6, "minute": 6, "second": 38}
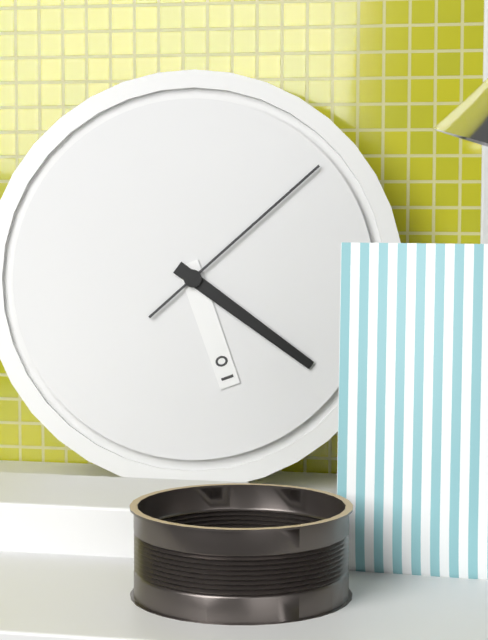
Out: {"hour": 5, "minute": 21, "second": 8}
